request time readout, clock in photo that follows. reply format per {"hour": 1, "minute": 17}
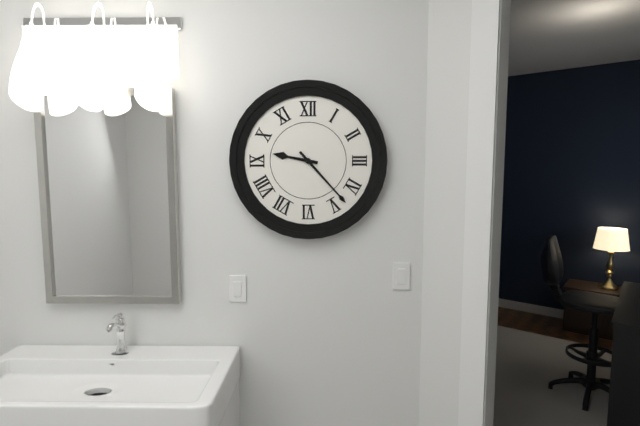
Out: {"hour": 9, "minute": 23}
